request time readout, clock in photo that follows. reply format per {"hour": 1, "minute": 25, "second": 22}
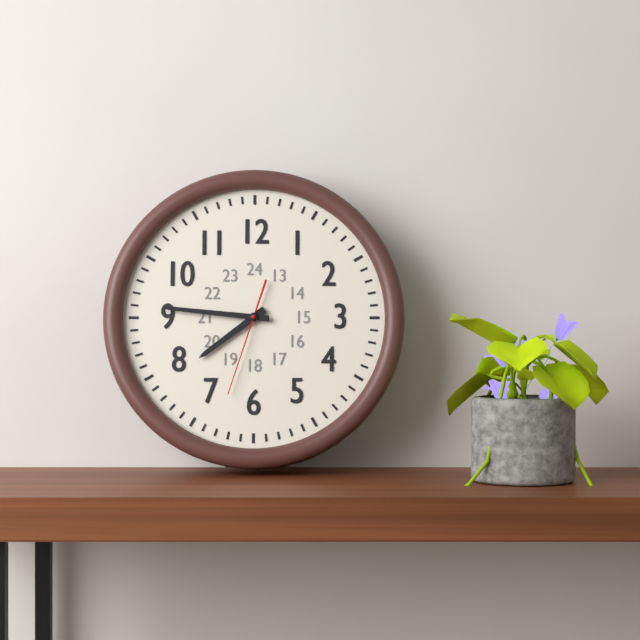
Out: {"hour": 7, "minute": 46, "second": 33}
